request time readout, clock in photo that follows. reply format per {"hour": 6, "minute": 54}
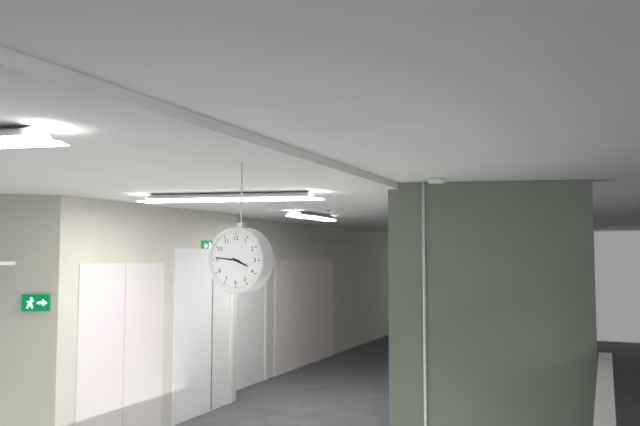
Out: {"hour": 3, "minute": 46}
